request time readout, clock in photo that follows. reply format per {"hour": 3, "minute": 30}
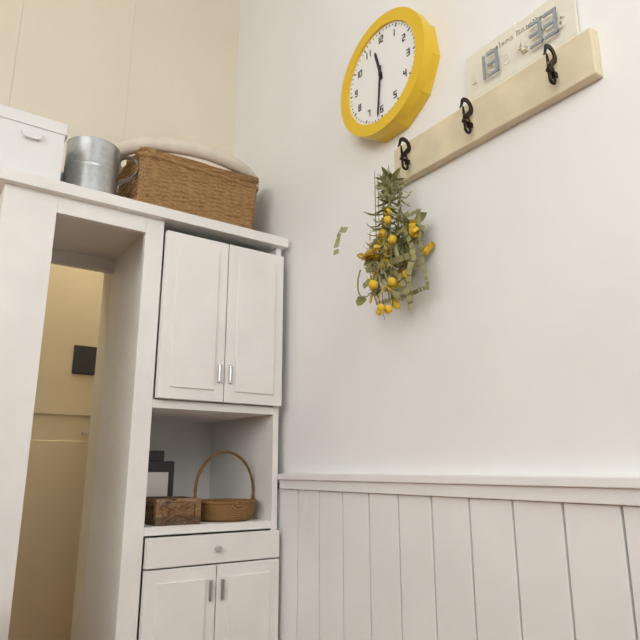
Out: {"hour": 11, "minute": 31}
